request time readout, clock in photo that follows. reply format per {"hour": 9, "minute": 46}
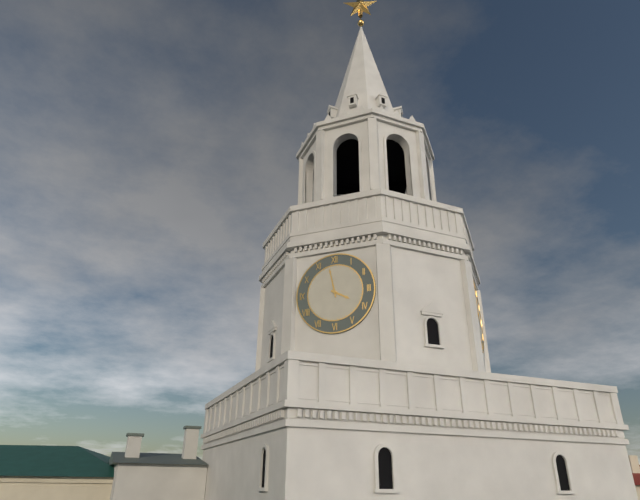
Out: {"hour": 3, "minute": 58}
